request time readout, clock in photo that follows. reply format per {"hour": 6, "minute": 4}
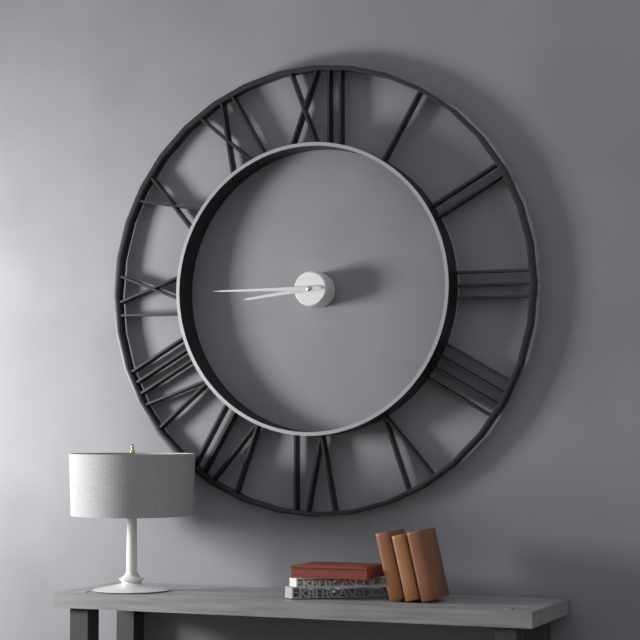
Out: {"hour": 8, "minute": 45}
